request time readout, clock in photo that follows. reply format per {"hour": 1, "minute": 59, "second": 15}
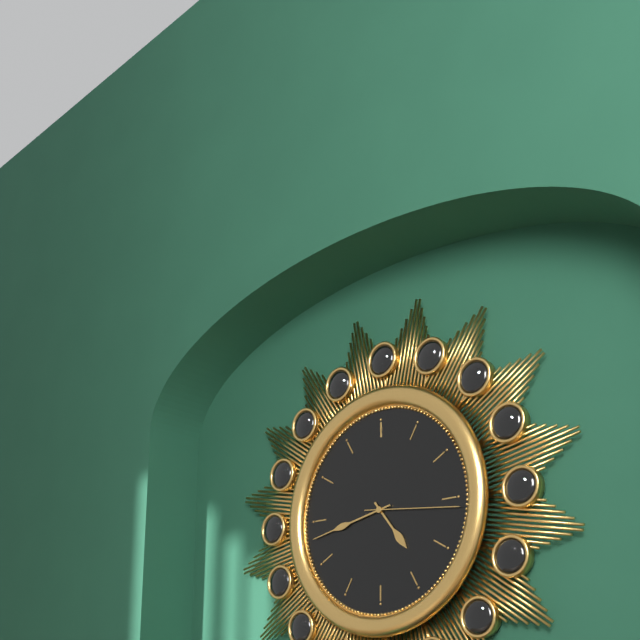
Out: {"hour": 4, "minute": 43, "second": 16}
